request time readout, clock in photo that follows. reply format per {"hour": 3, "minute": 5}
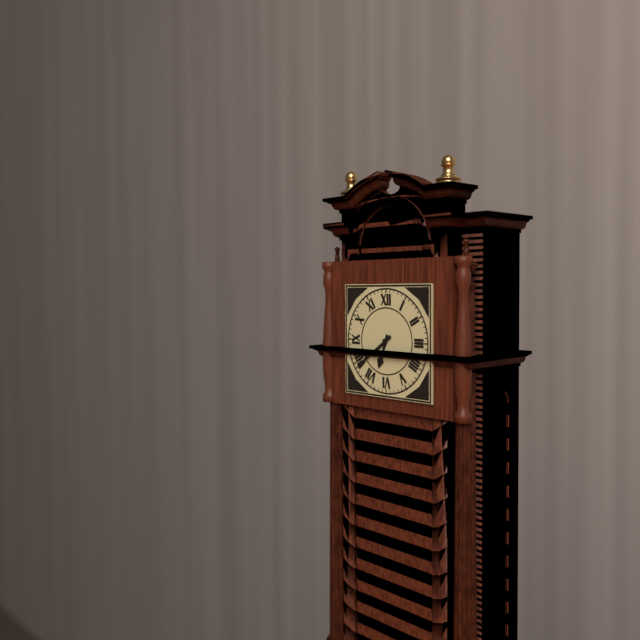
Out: {"hour": 6, "minute": 39}
